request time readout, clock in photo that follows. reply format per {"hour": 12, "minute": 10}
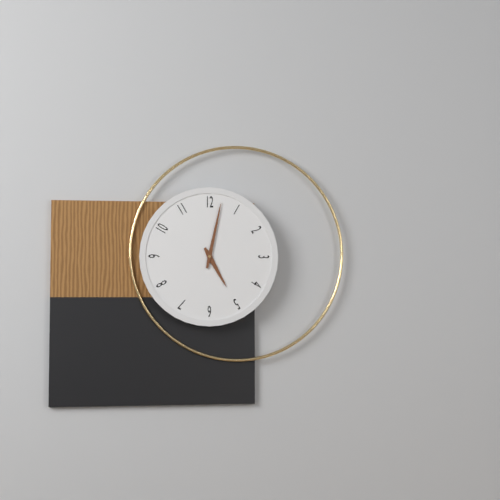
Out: {"hour": 5, "minute": 2}
